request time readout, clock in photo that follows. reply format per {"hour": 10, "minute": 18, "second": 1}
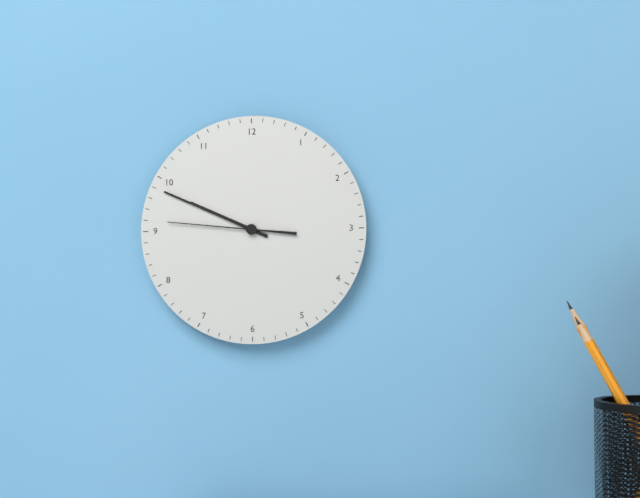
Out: {"hour": 9, "minute": 49, "second": 46}
